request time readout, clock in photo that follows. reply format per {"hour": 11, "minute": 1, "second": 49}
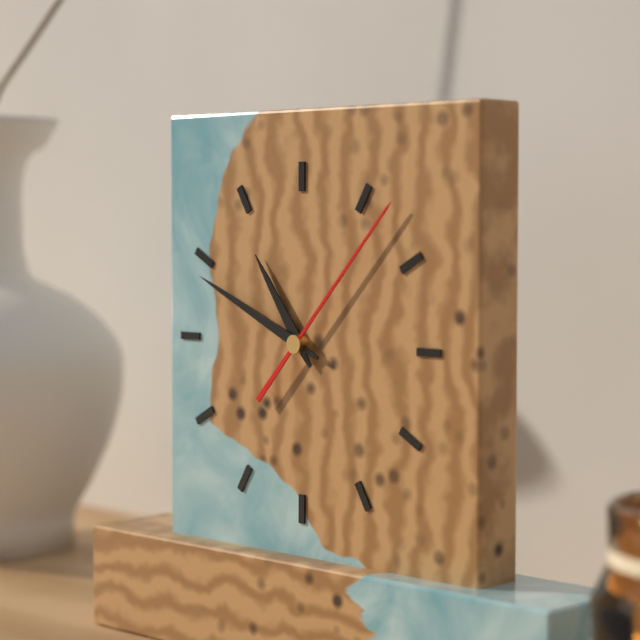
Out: {"hour": 10, "minute": 49, "second": 7}
